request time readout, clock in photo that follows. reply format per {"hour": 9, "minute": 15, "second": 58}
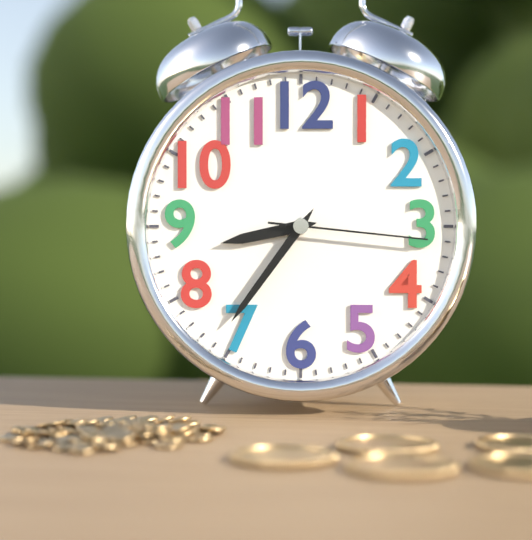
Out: {"hour": 8, "minute": 36, "second": 16}
